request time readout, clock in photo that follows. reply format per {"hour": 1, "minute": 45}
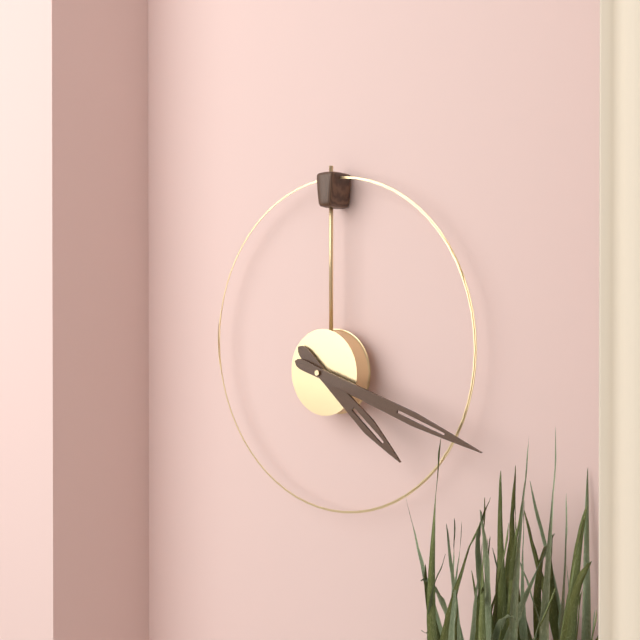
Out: {"hour": 4, "minute": 18}
